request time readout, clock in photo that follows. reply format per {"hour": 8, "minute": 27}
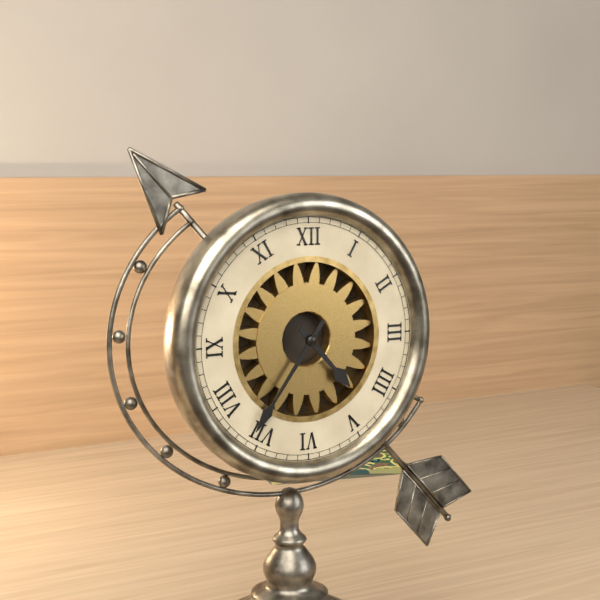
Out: {"hour": 4, "minute": 36}
